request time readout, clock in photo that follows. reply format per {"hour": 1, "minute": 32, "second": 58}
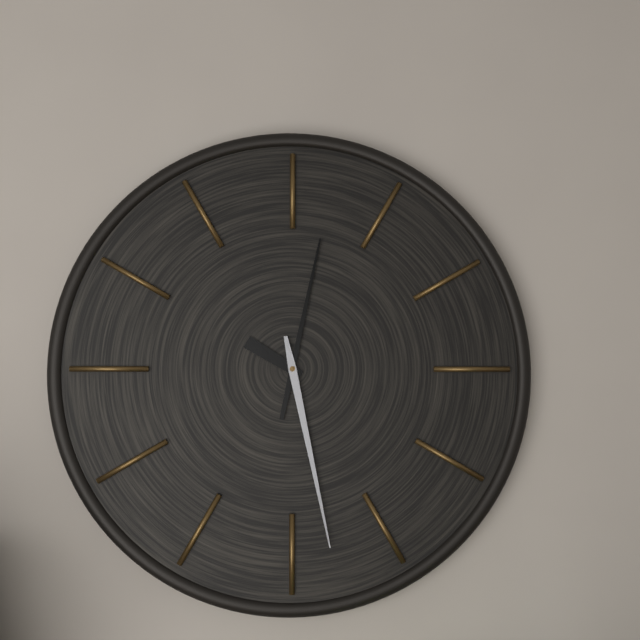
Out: {"hour": 10, "minute": 2, "second": 28}
